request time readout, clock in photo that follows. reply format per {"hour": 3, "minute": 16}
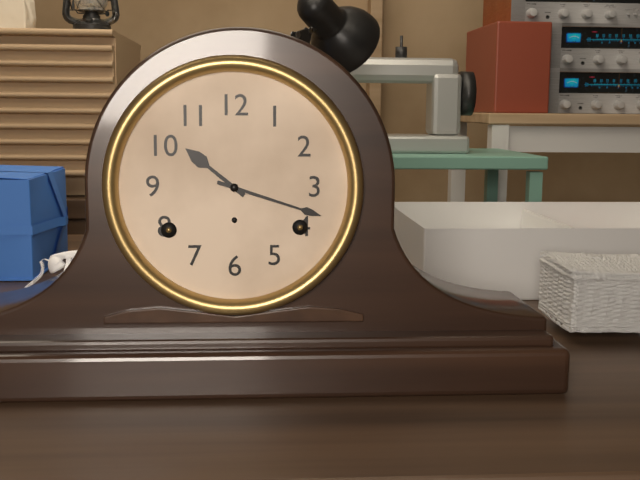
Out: {"hour": 10, "minute": 18}
